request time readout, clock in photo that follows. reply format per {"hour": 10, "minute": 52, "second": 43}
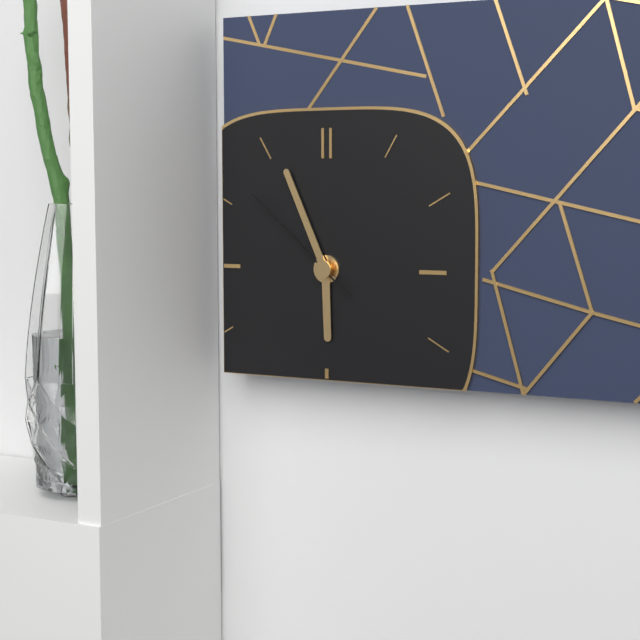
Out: {"hour": 5, "minute": 56, "second": 52}
